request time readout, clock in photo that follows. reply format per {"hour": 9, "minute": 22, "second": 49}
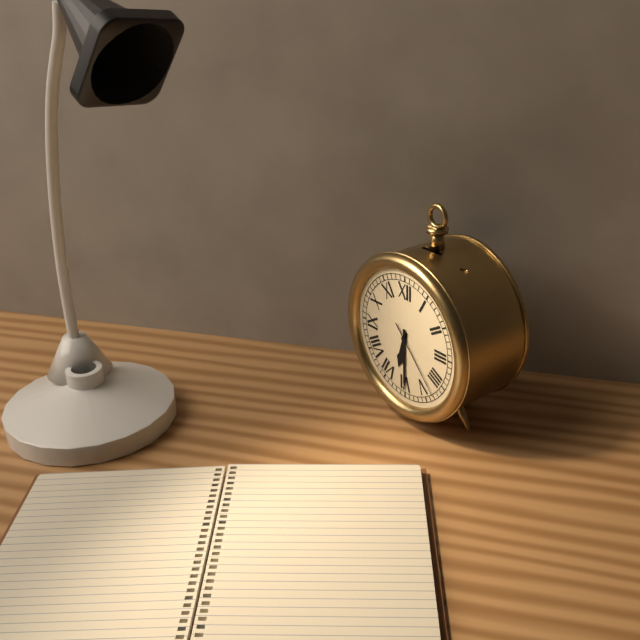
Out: {"hour": 6, "minute": 30, "second": 23}
